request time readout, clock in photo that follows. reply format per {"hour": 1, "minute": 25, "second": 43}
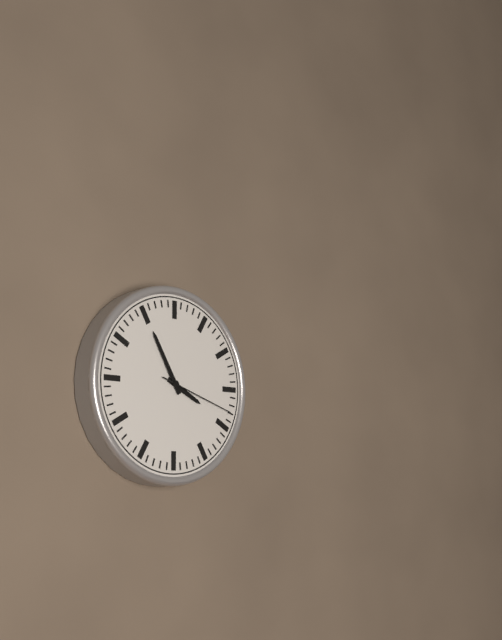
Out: {"hour": 3, "minute": 55, "second": 18}
